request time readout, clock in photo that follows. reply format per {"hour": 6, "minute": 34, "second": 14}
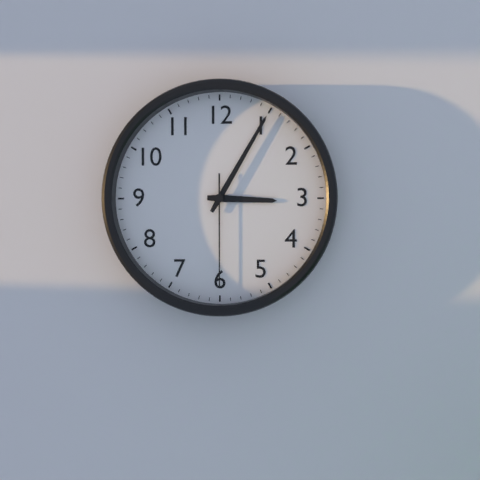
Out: {"hour": 3, "minute": 5, "second": 30}
